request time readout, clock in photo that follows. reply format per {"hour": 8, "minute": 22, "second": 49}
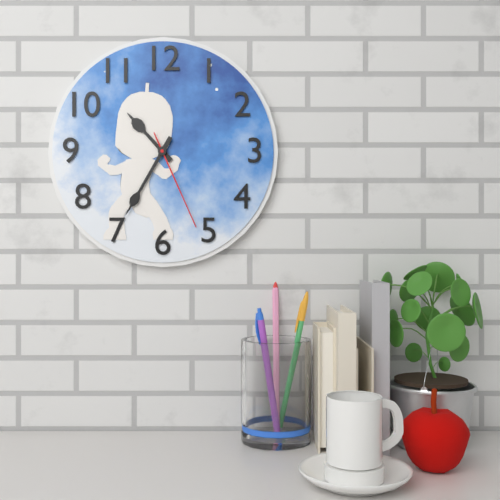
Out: {"hour": 10, "minute": 35, "second": 26}
